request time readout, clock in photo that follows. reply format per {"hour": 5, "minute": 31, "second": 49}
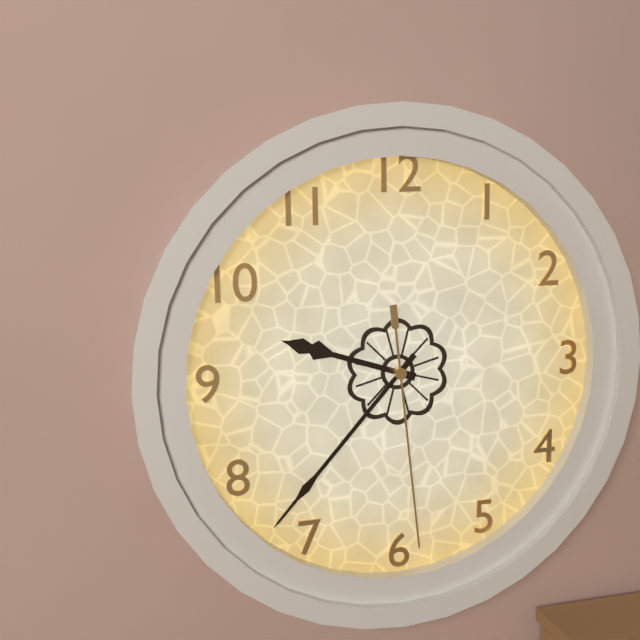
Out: {"hour": 9, "minute": 37, "second": 29}
